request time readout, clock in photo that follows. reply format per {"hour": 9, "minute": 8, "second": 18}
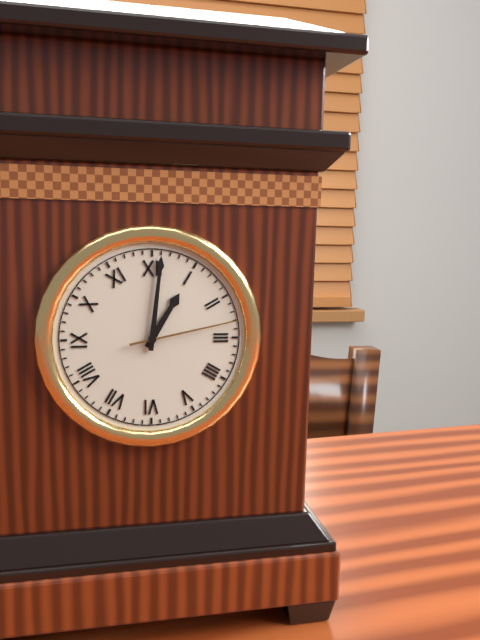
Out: {"hour": 1, "minute": 1, "second": 13}
